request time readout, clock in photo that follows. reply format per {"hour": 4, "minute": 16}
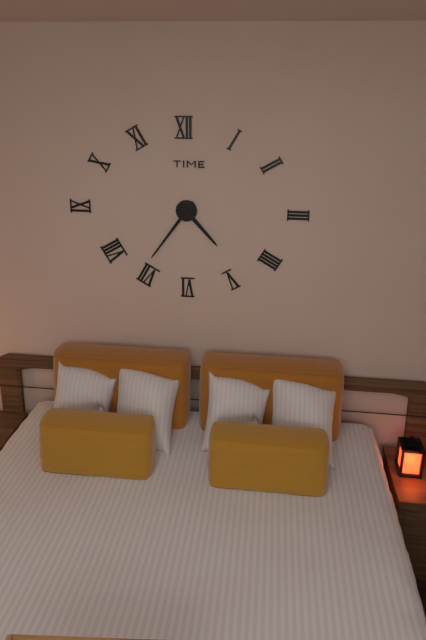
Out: {"hour": 4, "minute": 36}
